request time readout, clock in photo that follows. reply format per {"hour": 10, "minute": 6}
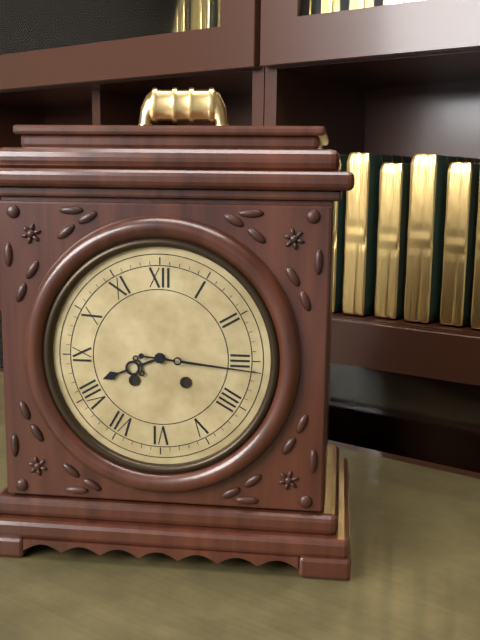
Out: {"hour": 8, "minute": 16}
